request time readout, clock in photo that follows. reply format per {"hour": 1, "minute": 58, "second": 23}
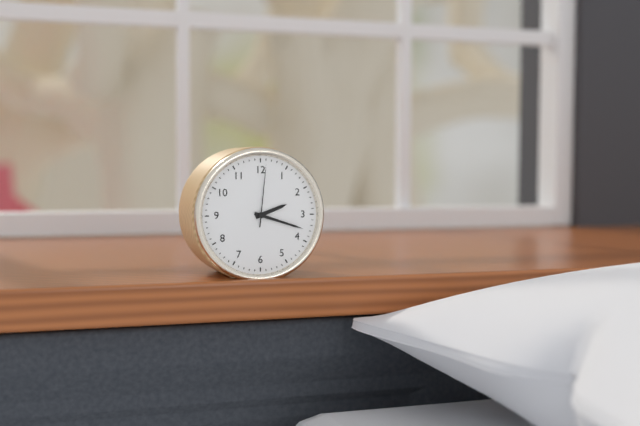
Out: {"hour": 2, "minute": 18, "second": 1}
